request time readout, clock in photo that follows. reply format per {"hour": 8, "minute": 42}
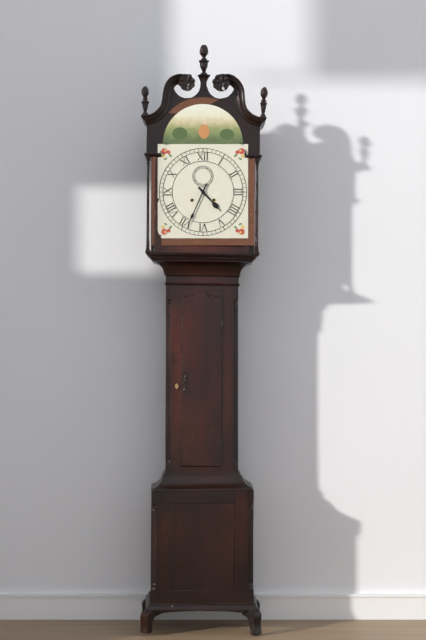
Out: {"hour": 4, "minute": 34}
